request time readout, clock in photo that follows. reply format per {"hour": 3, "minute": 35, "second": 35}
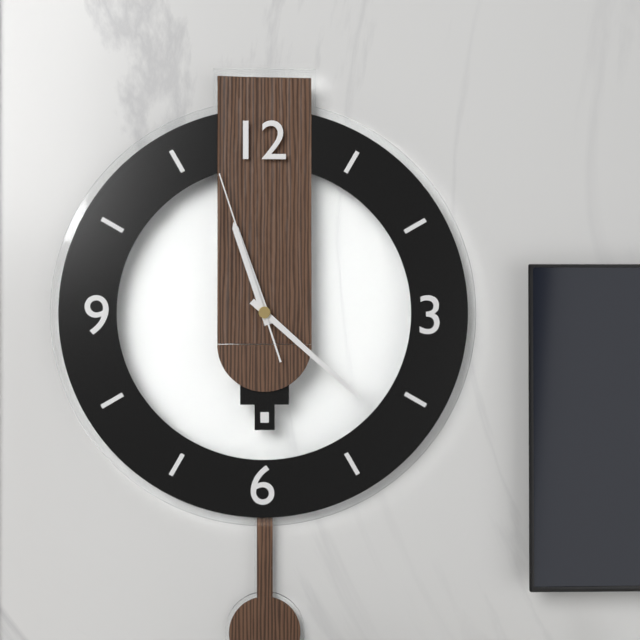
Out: {"hour": 11, "minute": 22, "second": 57}
